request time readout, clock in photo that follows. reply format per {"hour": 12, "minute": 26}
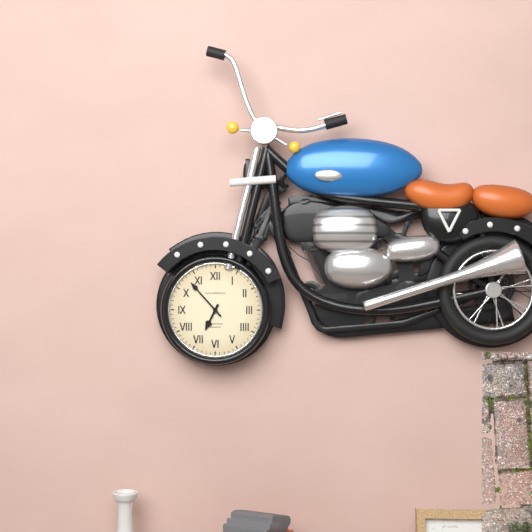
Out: {"hour": 6, "minute": 53}
